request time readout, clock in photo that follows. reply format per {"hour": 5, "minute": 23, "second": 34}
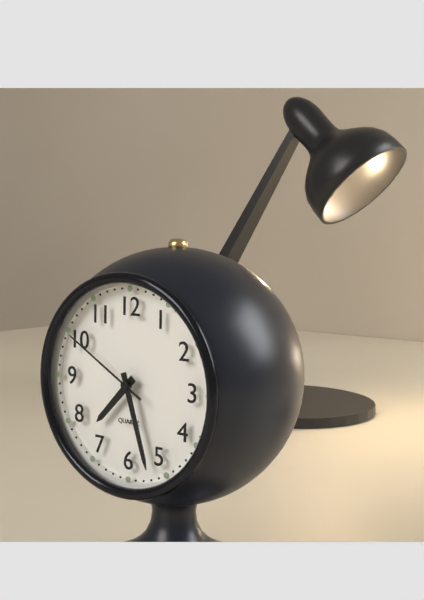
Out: {"hour": 7, "minute": 27, "second": 50}
